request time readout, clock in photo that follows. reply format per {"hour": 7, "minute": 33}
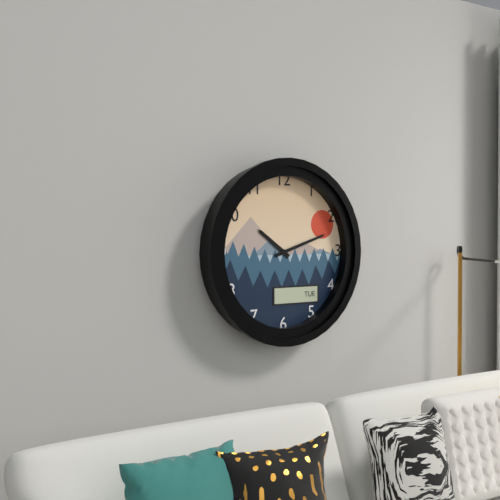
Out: {"hour": 10, "minute": 12}
